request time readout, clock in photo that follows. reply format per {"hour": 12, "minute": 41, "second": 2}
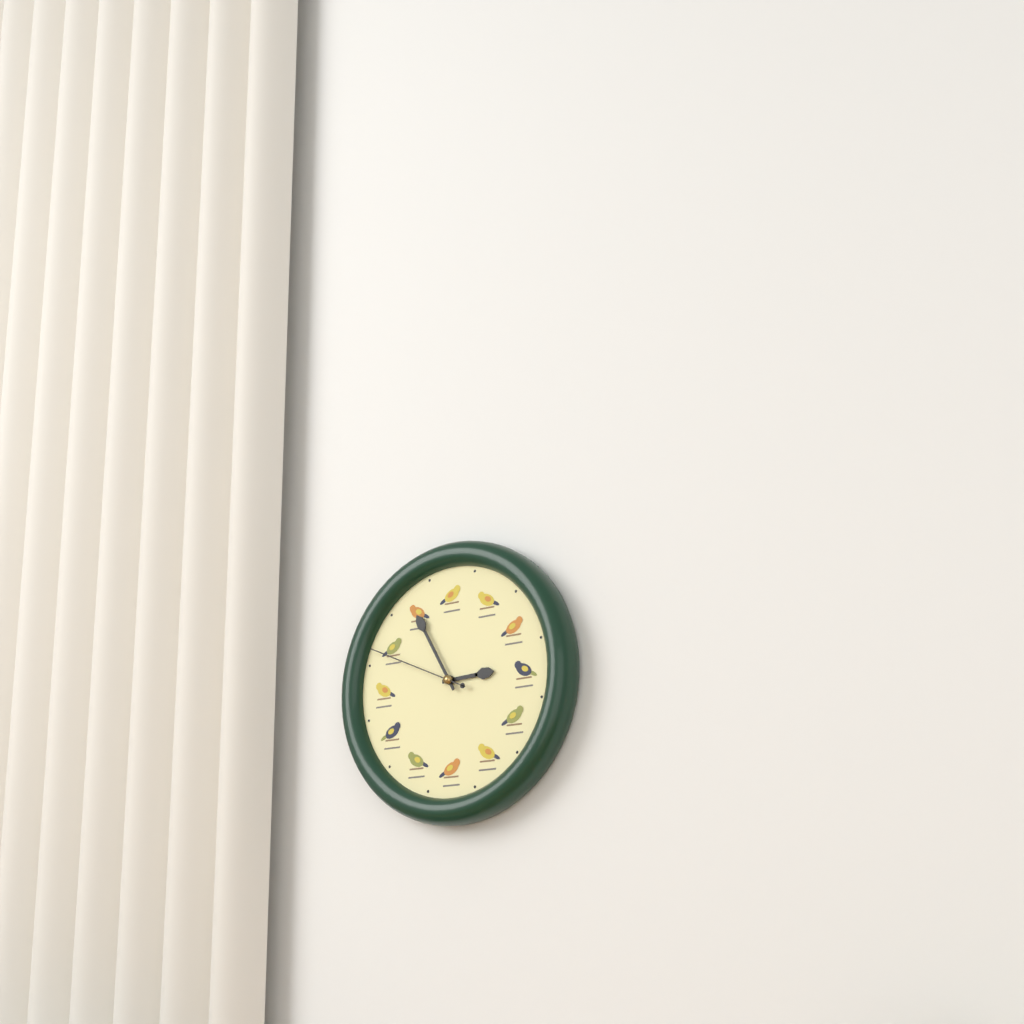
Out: {"hour": 2, "minute": 55, "second": 49}
